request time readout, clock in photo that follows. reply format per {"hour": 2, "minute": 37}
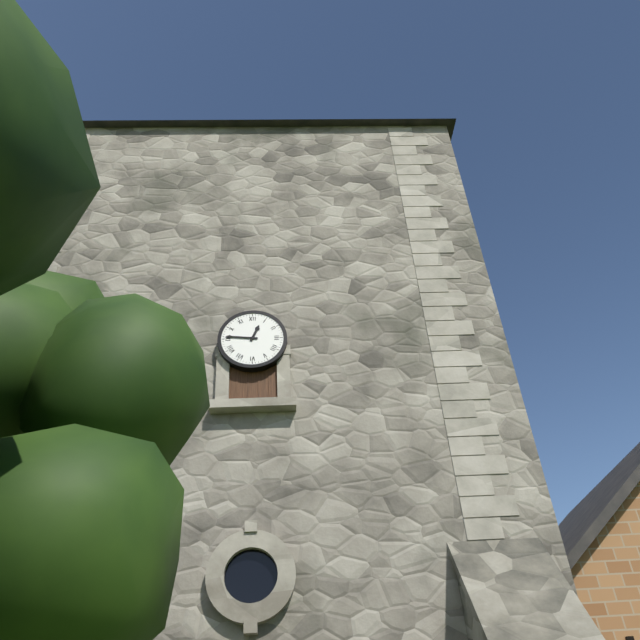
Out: {"hour": 12, "minute": 46}
